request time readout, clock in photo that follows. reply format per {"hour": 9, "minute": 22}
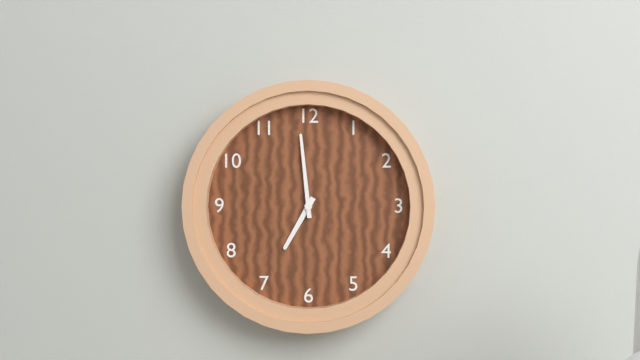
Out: {"hour": 6, "minute": 59}
